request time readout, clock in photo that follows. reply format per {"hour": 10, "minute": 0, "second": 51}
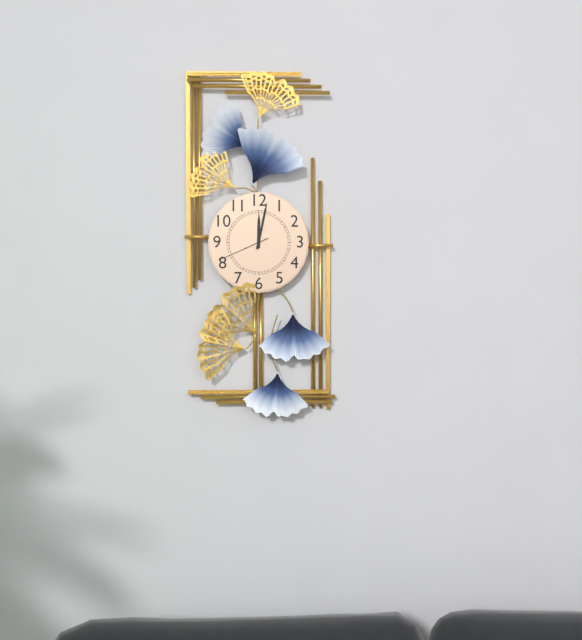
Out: {"hour": 12, "minute": 2, "second": 41}
